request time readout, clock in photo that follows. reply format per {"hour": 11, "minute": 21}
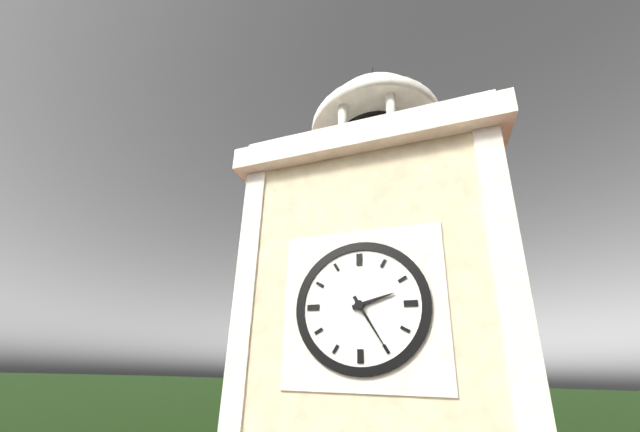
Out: {"hour": 2, "minute": 25}
